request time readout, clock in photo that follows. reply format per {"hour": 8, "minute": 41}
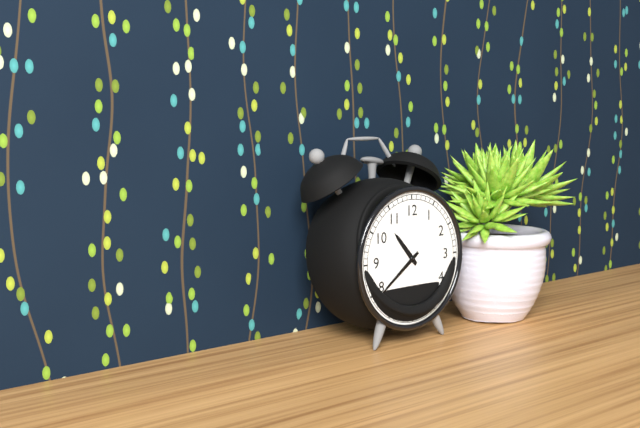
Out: {"hour": 10, "minute": 39}
